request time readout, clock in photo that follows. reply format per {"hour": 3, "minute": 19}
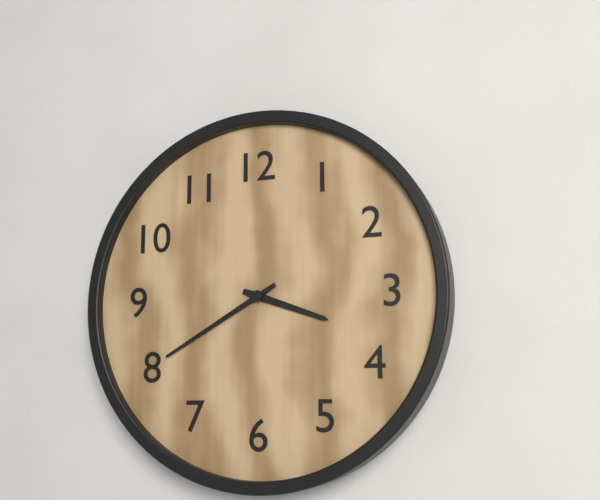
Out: {"hour": 3, "minute": 40}
